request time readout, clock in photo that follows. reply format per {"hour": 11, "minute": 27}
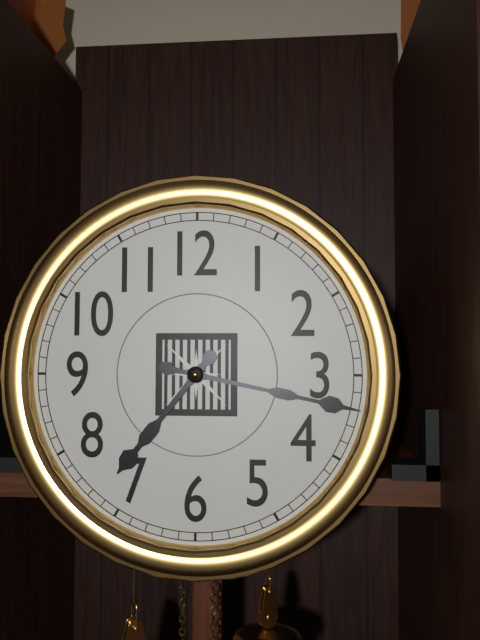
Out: {"hour": 7, "minute": 17}
